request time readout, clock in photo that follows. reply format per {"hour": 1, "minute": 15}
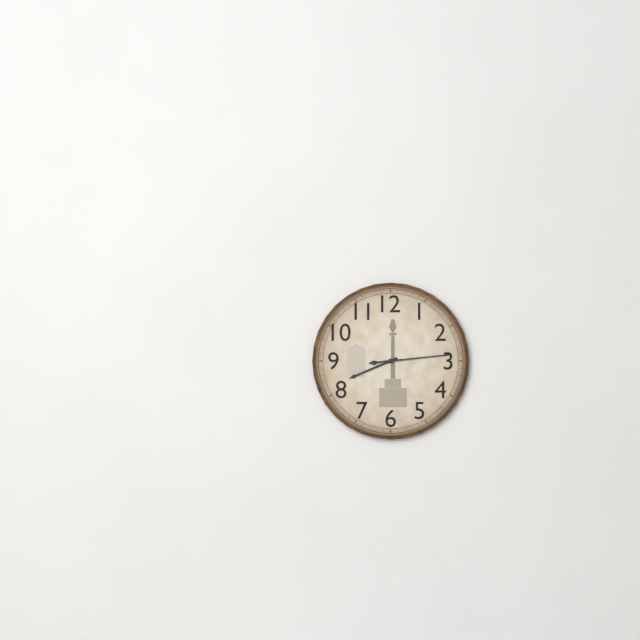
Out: {"hour": 8, "minute": 14}
